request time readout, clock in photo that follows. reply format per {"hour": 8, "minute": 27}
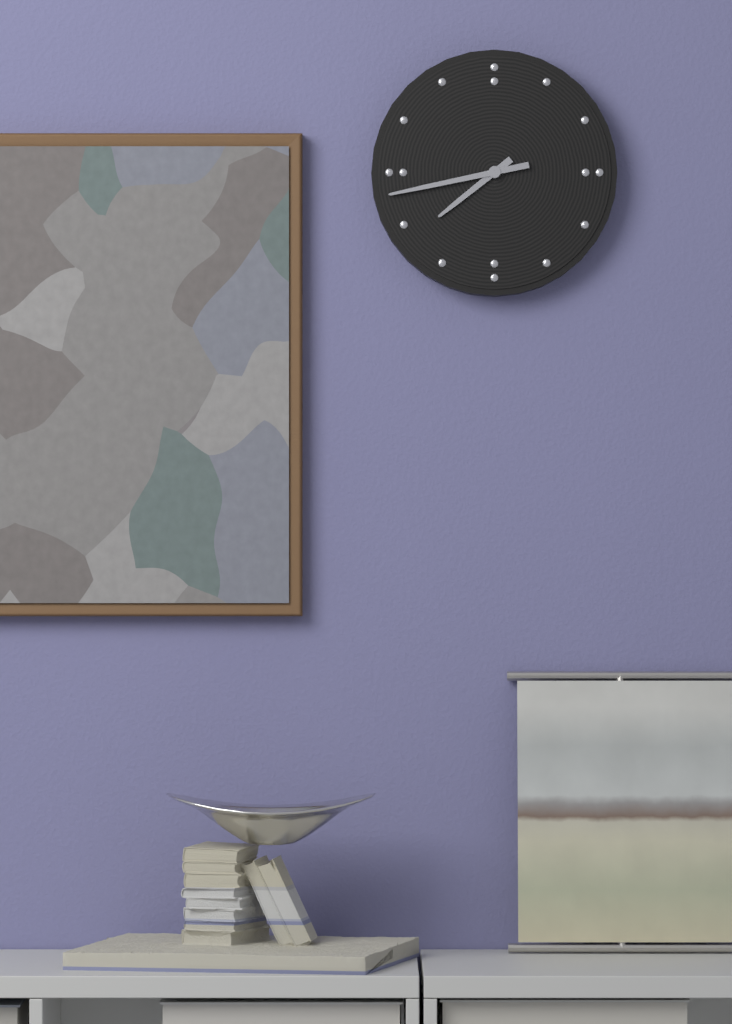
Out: {"hour": 7, "minute": 43}
